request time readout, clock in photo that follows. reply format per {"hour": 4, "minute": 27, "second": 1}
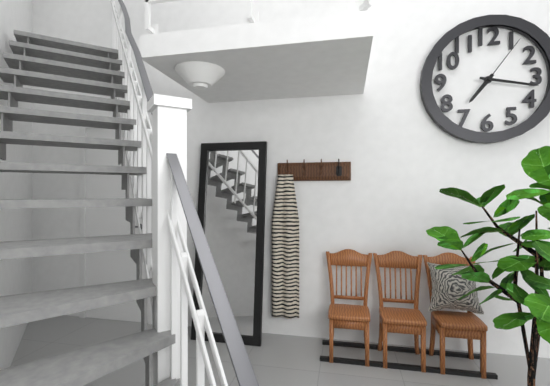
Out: {"hour": 7, "minute": 17, "second": 6}
